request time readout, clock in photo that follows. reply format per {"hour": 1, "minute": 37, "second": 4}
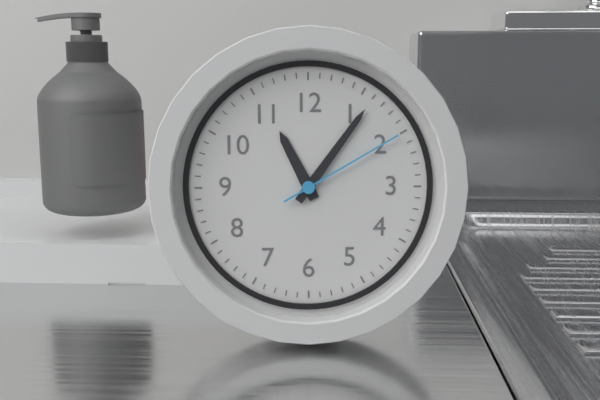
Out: {"hour": 11, "minute": 6, "second": 10}
